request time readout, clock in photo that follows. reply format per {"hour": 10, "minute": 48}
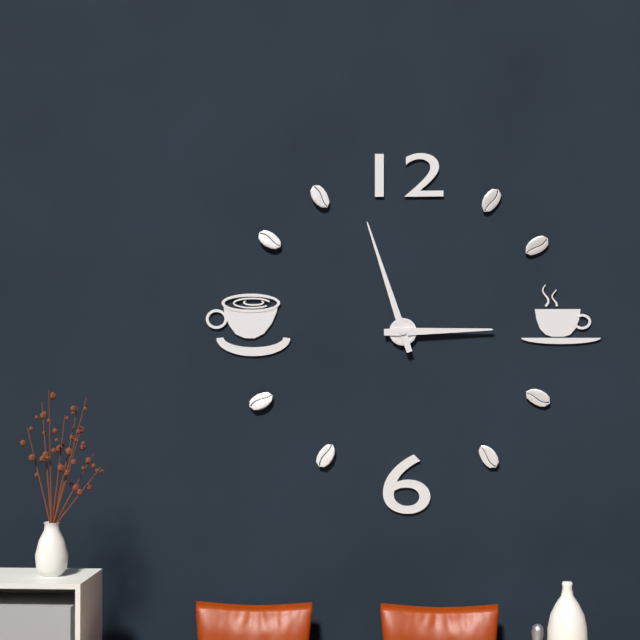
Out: {"hour": 2, "minute": 57}
